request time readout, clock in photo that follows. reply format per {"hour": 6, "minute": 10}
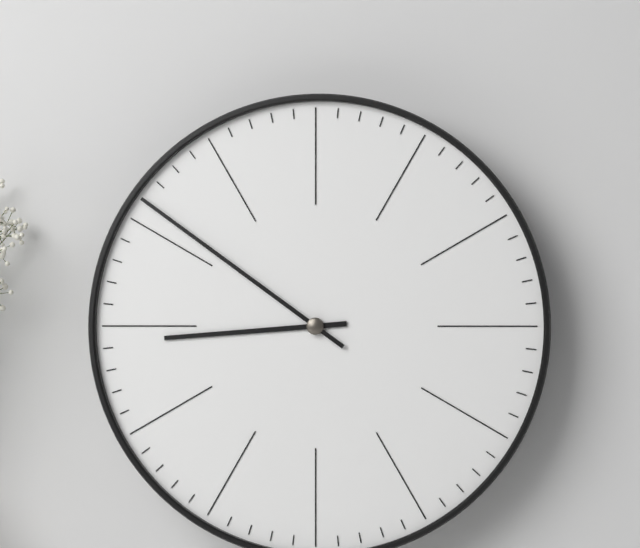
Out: {"hour": 8, "minute": 51}
